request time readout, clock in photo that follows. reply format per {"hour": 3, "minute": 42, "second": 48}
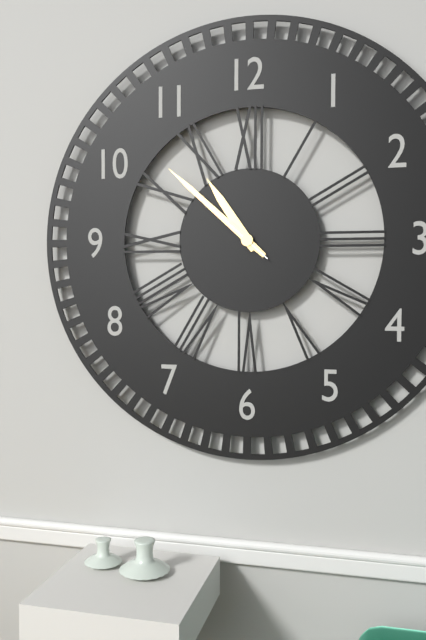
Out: {"hour": 10, "minute": 52, "second": 52}
